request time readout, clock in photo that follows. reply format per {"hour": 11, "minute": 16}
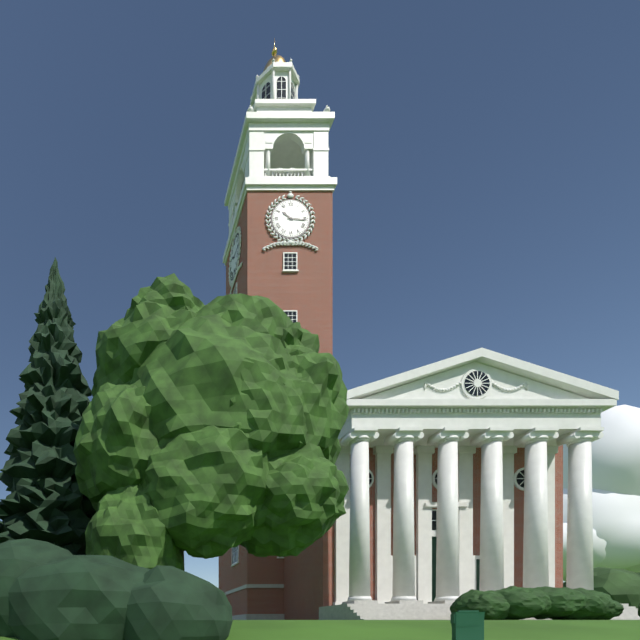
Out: {"hour": 10, "minute": 16}
